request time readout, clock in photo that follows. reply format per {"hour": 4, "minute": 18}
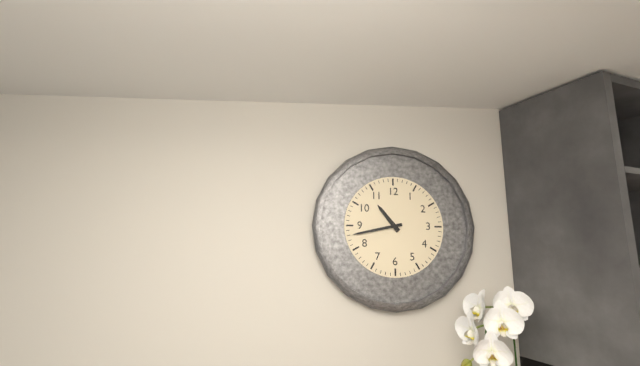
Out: {"hour": 10, "minute": 43}
